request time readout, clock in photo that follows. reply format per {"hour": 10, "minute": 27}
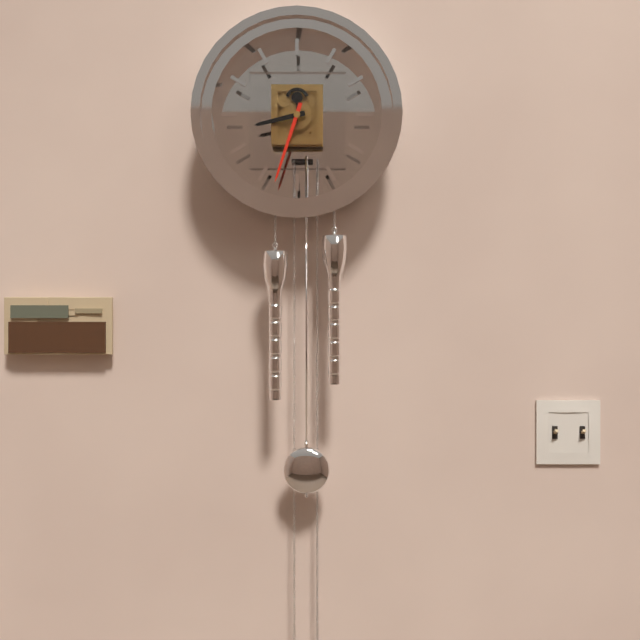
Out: {"hour": 8, "minute": 33}
